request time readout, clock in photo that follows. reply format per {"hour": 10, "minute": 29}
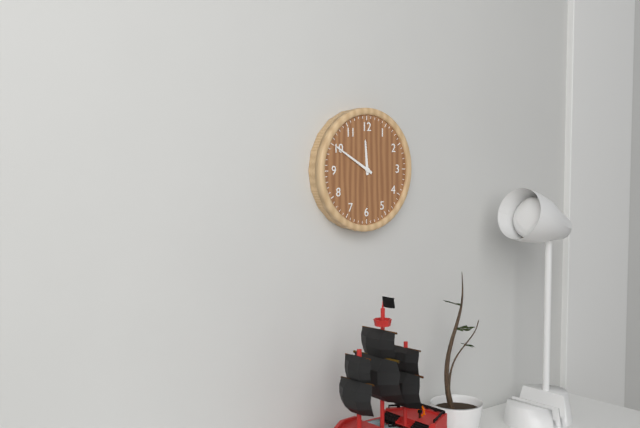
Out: {"hour": 11, "minute": 50}
